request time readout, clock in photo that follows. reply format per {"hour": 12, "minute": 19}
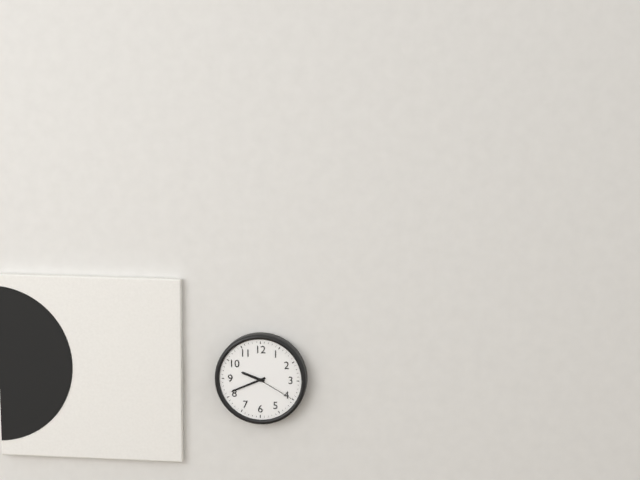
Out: {"hour": 9, "minute": 41}
